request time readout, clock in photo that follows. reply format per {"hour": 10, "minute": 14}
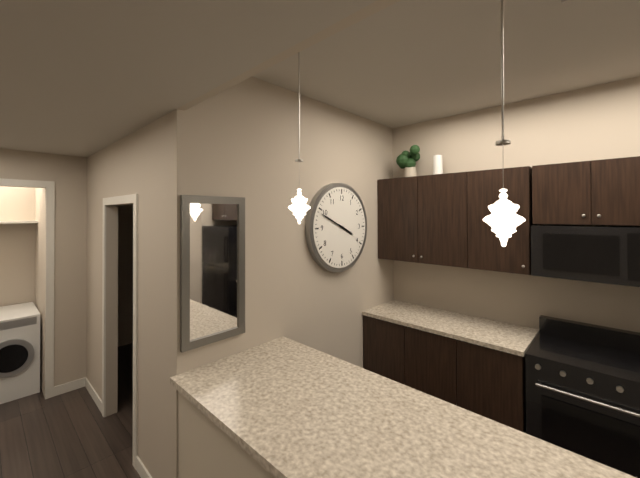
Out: {"hour": 3, "minute": 49}
